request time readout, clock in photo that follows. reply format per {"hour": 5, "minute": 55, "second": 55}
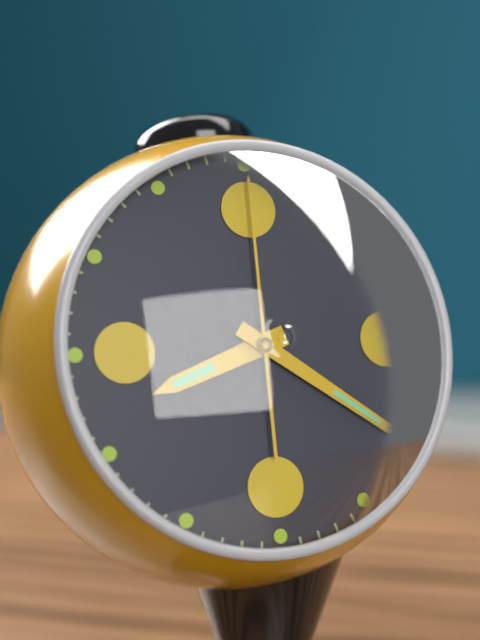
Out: {"hour": 8, "minute": 21, "second": 0}
